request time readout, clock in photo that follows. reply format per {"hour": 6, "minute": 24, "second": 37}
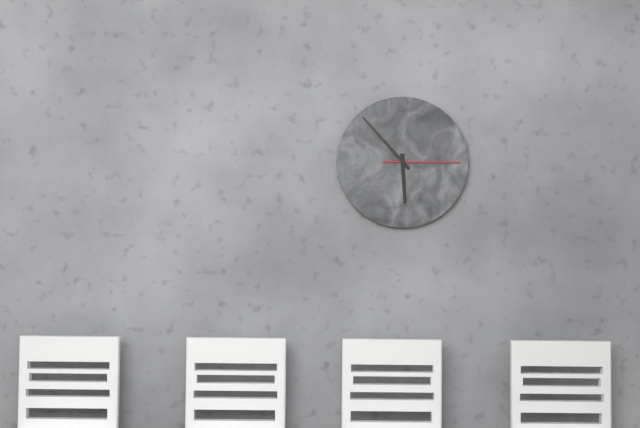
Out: {"hour": 5, "minute": 53, "second": 15}
